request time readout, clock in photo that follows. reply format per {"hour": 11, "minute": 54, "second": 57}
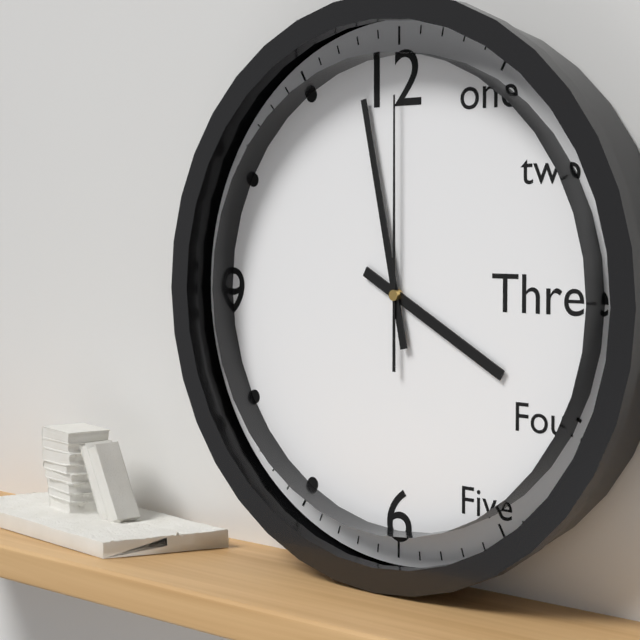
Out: {"hour": 3, "minute": 58, "second": 0}
